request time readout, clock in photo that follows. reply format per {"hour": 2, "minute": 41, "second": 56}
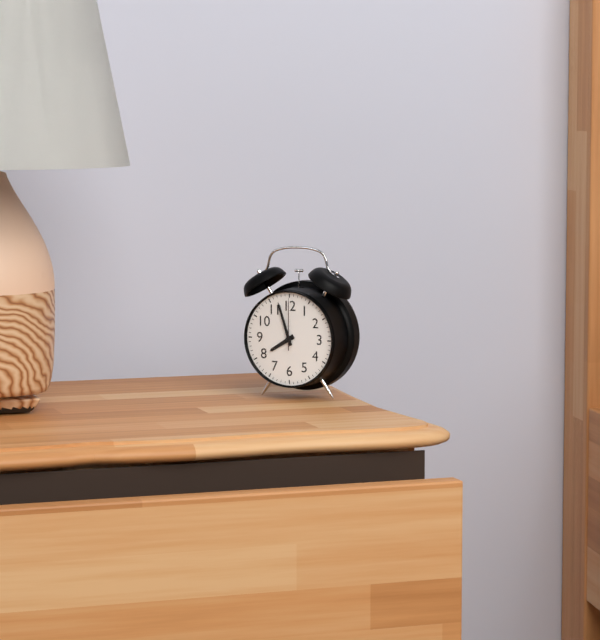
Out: {"hour": 7, "minute": 57, "second": 0}
